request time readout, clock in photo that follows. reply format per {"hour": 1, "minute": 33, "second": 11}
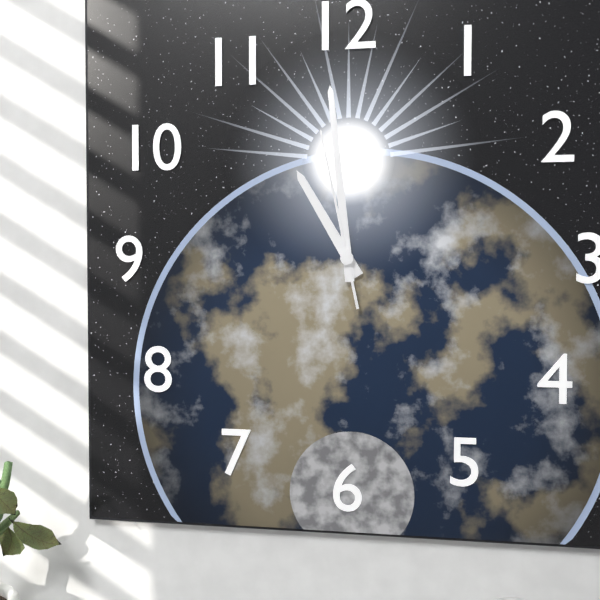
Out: {"hour": 10, "minute": 59, "second": 58}
